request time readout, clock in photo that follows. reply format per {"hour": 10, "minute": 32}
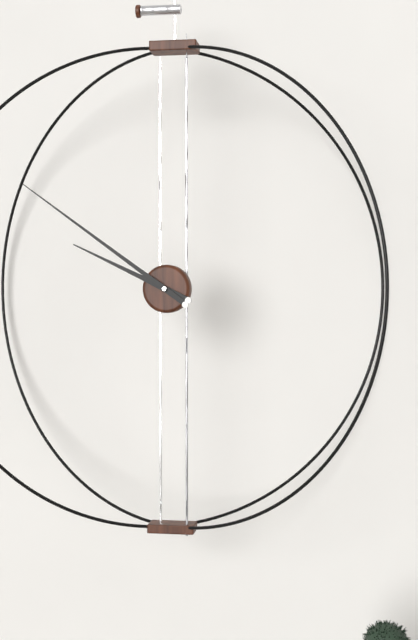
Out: {"hour": 9, "minute": 51}
